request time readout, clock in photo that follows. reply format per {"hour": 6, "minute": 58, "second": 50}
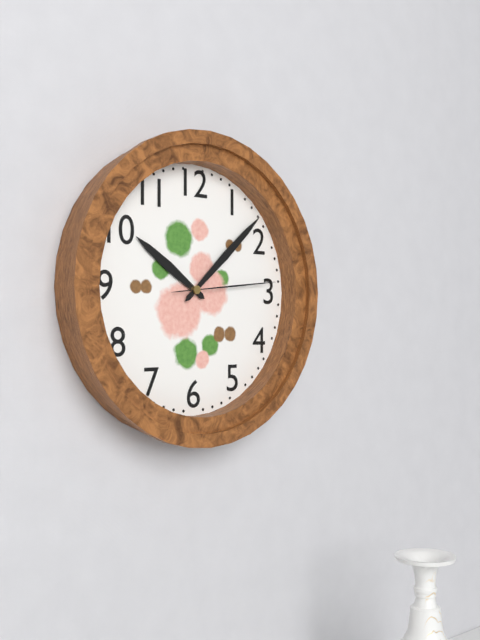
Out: {"hour": 10, "minute": 8, "second": 14}
